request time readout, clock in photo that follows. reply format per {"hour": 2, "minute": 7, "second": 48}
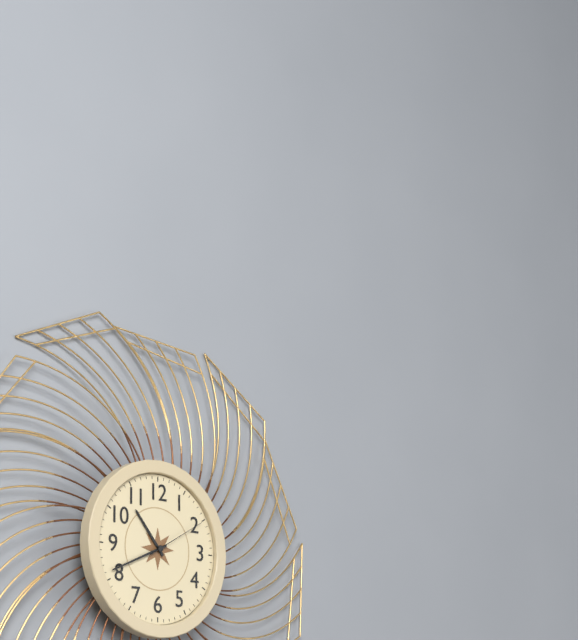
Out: {"hour": 10, "minute": 41, "second": 10}
